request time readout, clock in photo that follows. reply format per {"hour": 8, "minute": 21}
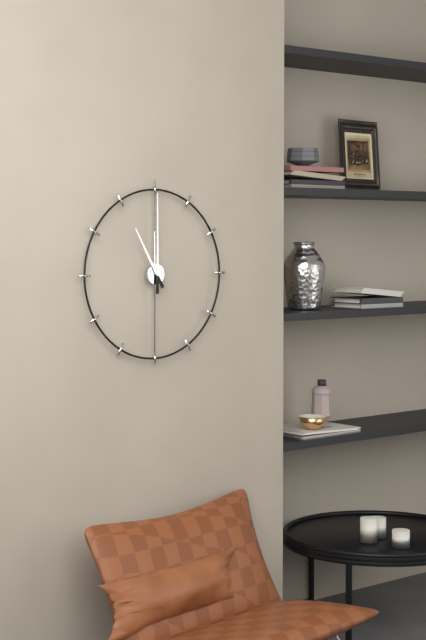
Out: {"hour": 11, "minute": 0}
